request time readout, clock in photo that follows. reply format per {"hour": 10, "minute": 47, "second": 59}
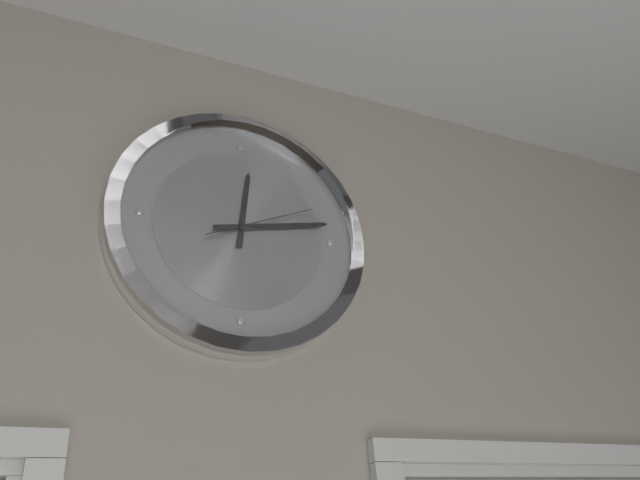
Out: {"hour": 12, "minute": 13, "second": 11}
